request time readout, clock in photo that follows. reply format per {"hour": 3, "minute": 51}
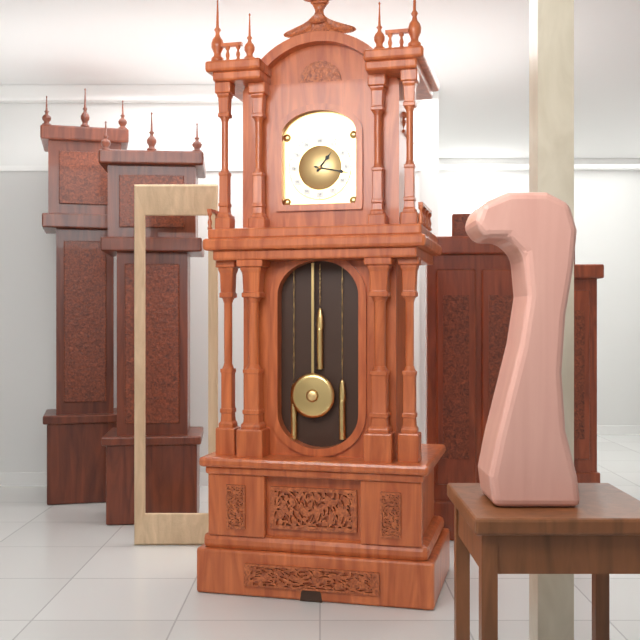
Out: {"hour": 1, "minute": 17}
